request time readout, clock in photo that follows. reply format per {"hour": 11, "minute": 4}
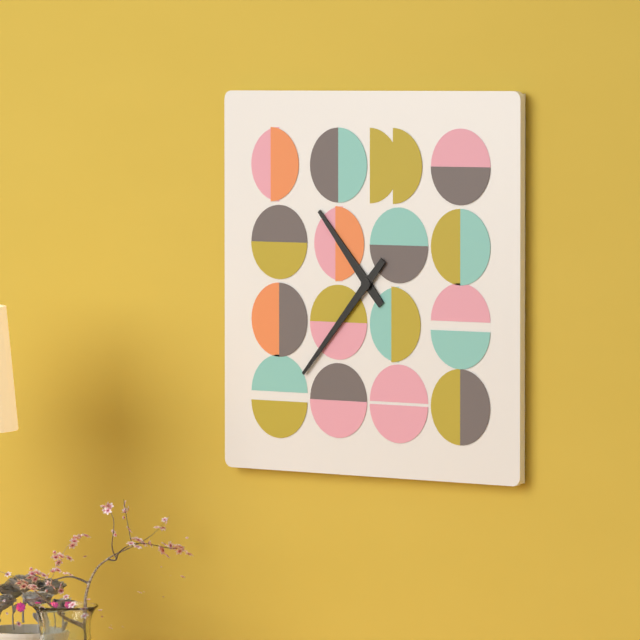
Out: {"hour": 10, "minute": 37}
